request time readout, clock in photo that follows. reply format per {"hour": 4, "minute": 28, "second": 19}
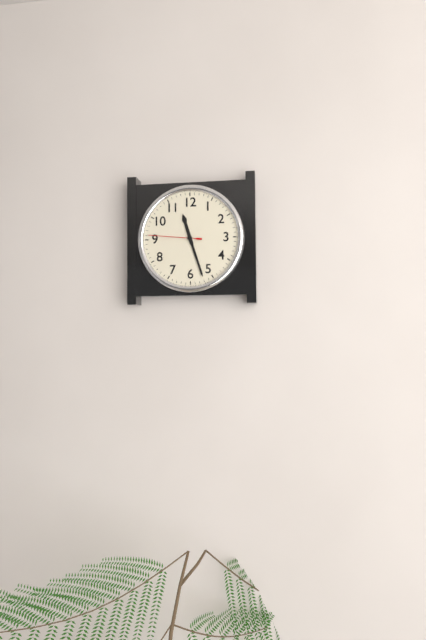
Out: {"hour": 11, "minute": 27, "second": 46}
